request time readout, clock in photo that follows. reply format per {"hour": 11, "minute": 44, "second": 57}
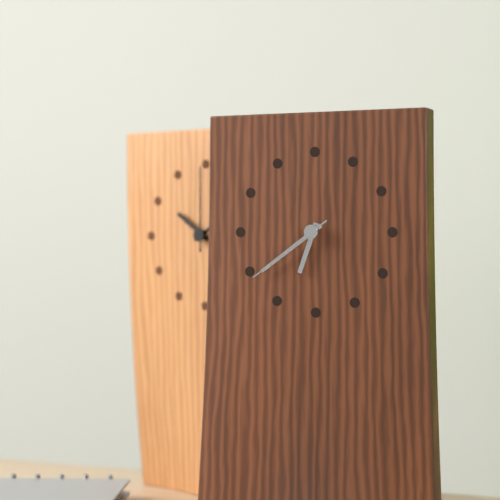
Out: {"hour": 6, "minute": 39, "second": 39}
